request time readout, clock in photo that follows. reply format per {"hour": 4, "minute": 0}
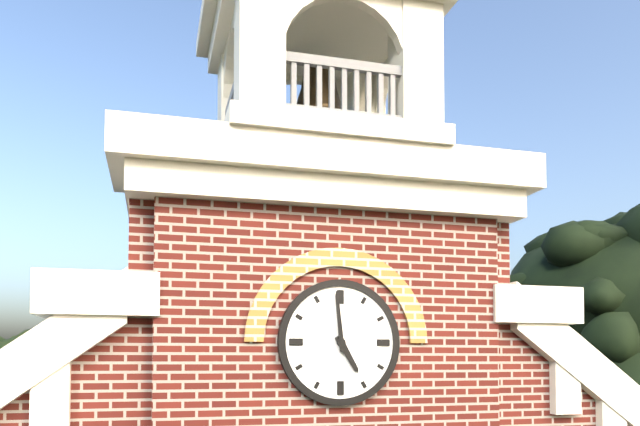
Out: {"hour": 4, "minute": 59}
